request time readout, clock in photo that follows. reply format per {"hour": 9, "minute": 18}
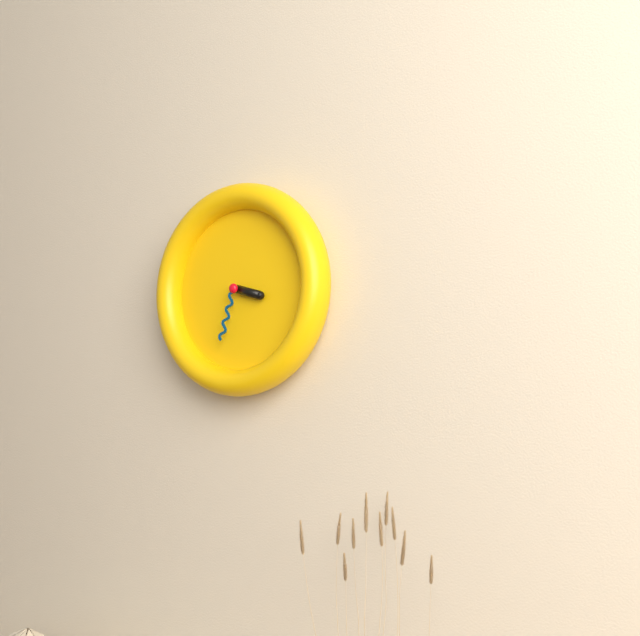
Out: {"hour": 3, "minute": 33}
